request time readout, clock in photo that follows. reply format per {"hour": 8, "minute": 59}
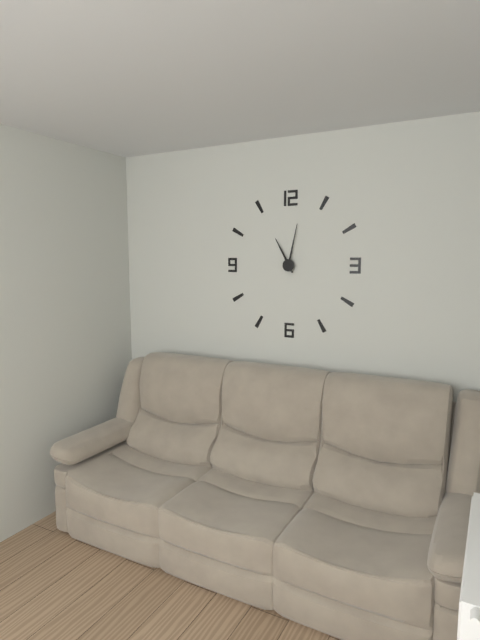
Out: {"hour": 11, "minute": 2}
